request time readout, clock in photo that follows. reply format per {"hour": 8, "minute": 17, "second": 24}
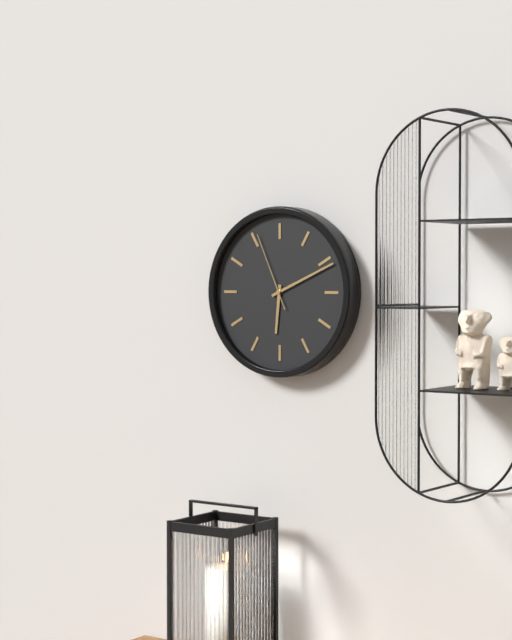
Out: {"hour": 6, "minute": 11, "second": 56}
